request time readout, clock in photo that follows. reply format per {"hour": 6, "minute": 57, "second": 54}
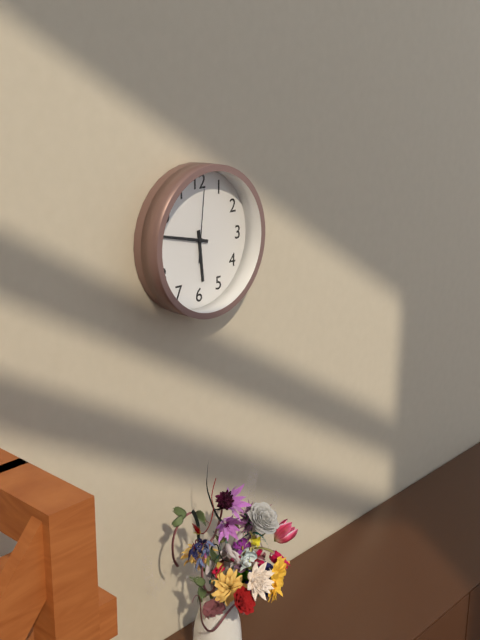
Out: {"hour": 5, "minute": 47, "second": 1}
